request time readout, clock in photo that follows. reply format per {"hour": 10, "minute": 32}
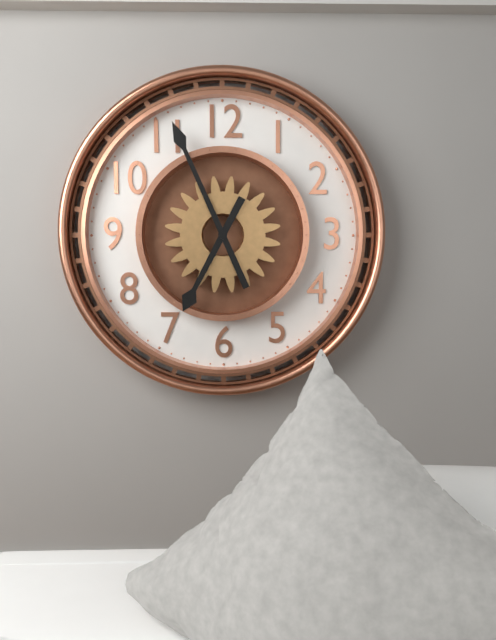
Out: {"hour": 6, "minute": 56}
